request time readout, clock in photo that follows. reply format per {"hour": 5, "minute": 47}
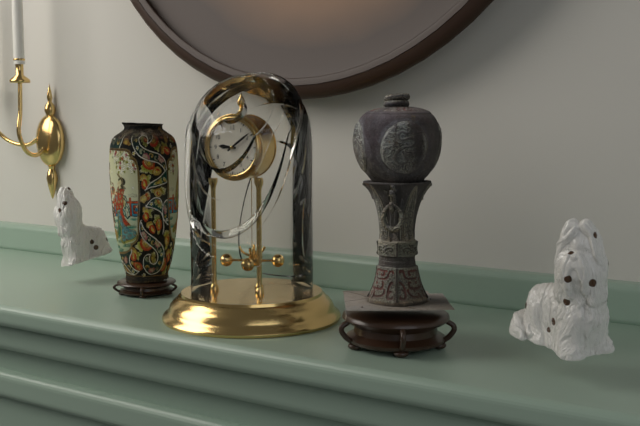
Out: {"hour": 9, "minute": 9}
